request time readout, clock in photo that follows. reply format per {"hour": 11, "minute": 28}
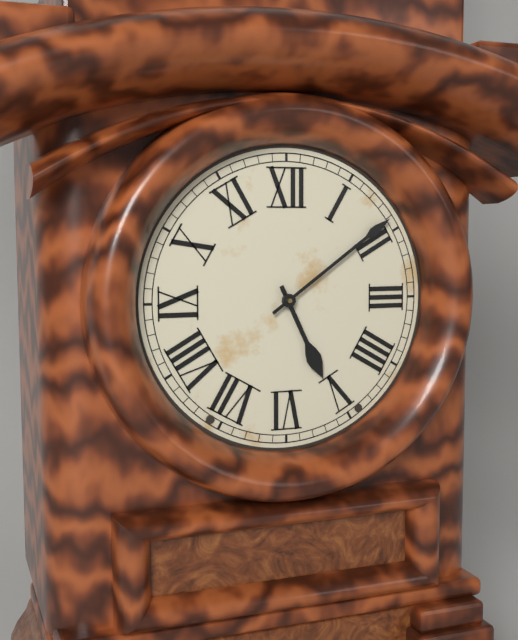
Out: {"hour": 5, "minute": 9}
